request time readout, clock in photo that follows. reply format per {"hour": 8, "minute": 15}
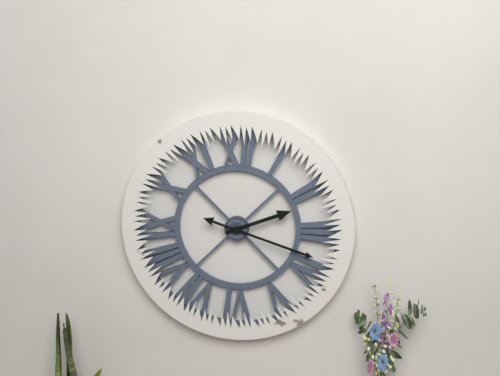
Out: {"hour": 2, "minute": 18}
